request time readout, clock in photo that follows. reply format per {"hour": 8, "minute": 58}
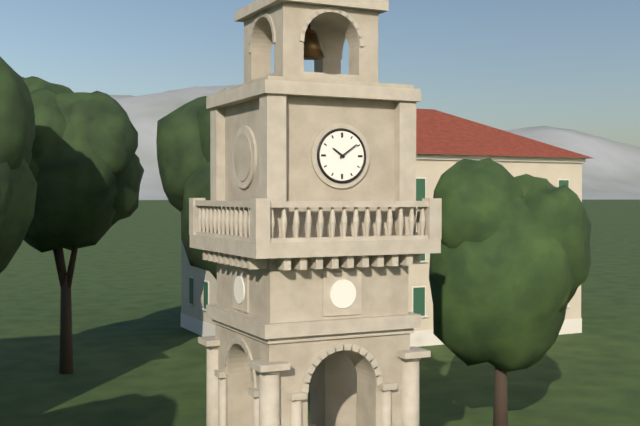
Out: {"hour": 10, "minute": 9}
